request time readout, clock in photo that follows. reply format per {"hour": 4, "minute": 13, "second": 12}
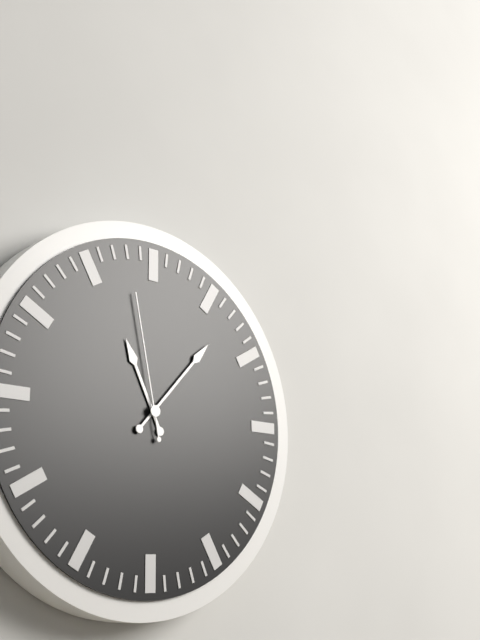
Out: {"hour": 11, "minute": 7, "second": 58}
